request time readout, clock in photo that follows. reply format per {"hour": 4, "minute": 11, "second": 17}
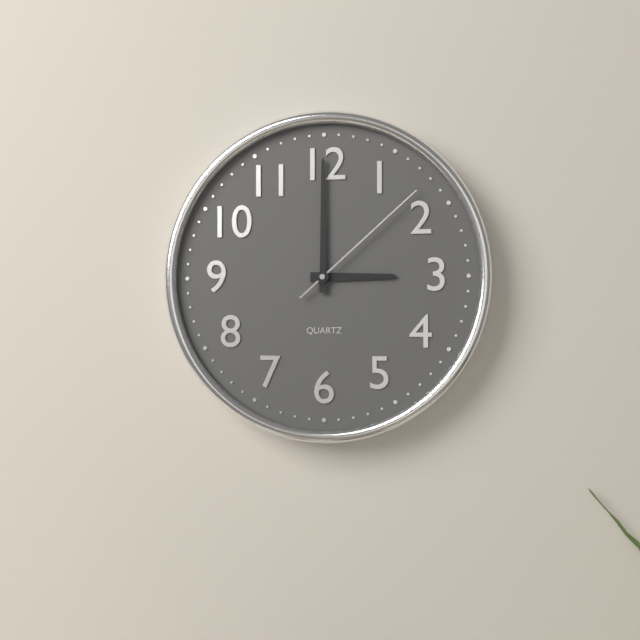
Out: {"hour": 3, "minute": 0, "second": 8}
